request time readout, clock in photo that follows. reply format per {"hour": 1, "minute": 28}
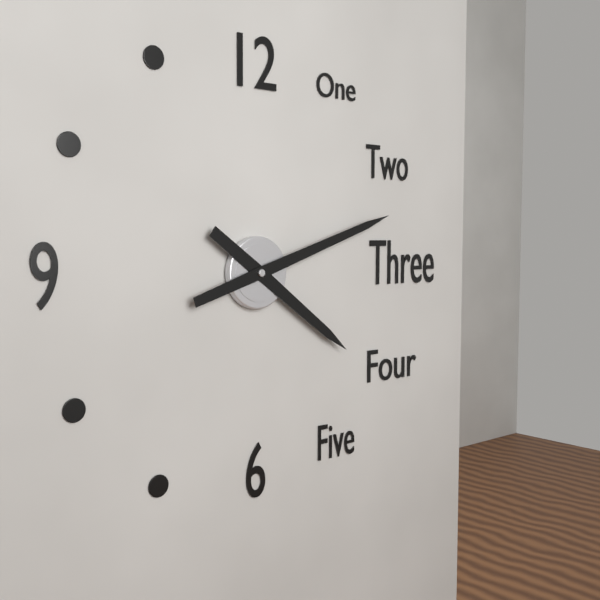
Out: {"hour": 4, "minute": 12}
